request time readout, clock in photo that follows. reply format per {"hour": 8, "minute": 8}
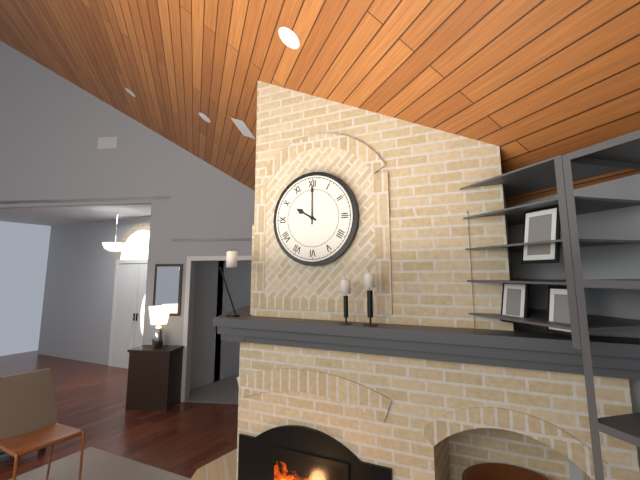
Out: {"hour": 10, "minute": 0}
